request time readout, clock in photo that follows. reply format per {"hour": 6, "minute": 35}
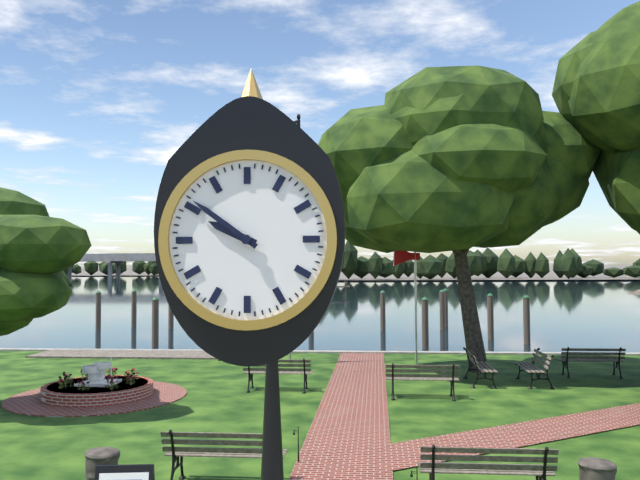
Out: {"hour": 9, "minute": 51}
